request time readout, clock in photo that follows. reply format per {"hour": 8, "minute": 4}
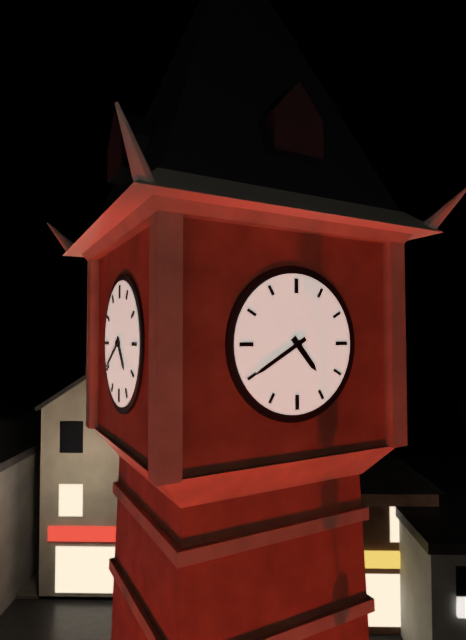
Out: {"hour": 4, "minute": 40}
